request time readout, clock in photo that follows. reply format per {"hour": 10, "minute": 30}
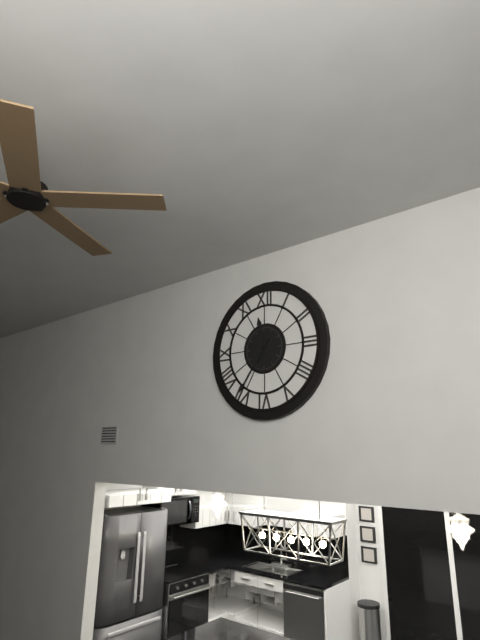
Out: {"hour": 11, "minute": 36}
